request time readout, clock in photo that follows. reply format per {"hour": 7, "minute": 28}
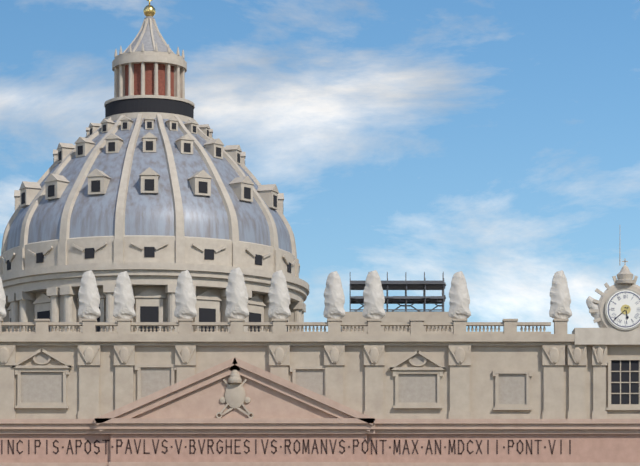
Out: {"hour": 5, "minute": 38}
